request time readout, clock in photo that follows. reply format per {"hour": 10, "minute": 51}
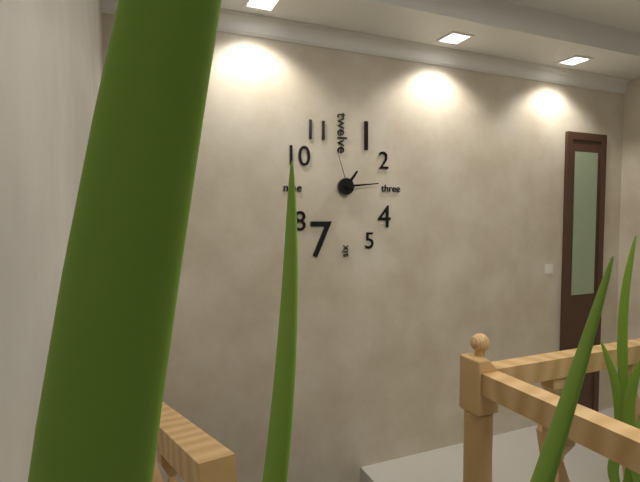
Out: {"hour": 1, "minute": 14}
